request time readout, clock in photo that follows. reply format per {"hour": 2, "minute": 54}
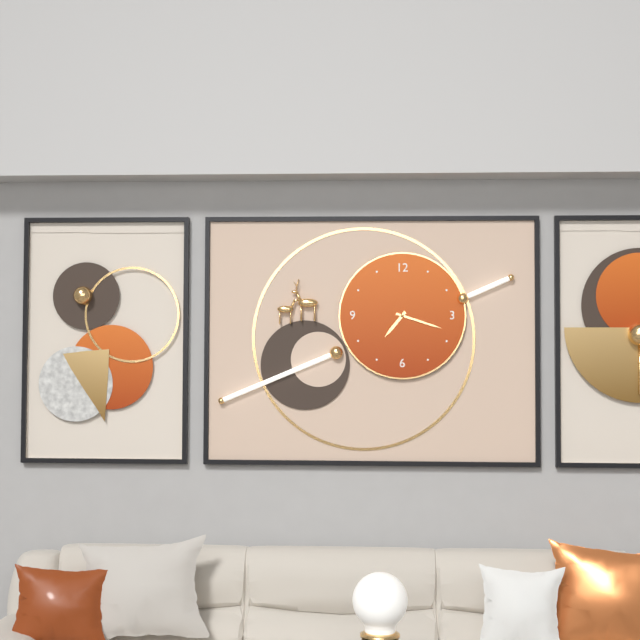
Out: {"hour": 7, "minute": 18}
